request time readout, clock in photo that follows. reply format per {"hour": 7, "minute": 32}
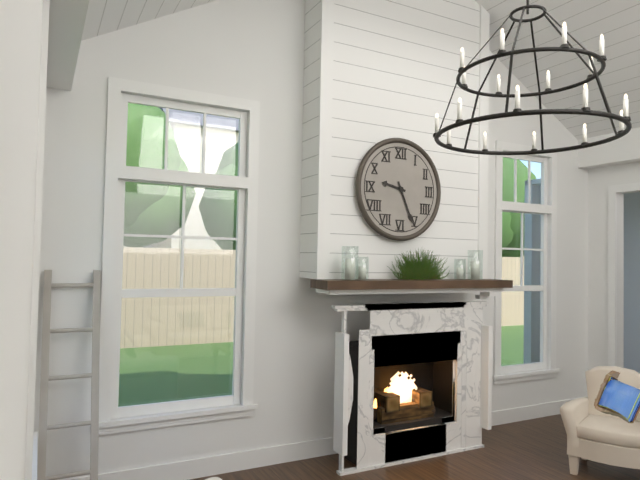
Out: {"hour": 9, "minute": 26}
